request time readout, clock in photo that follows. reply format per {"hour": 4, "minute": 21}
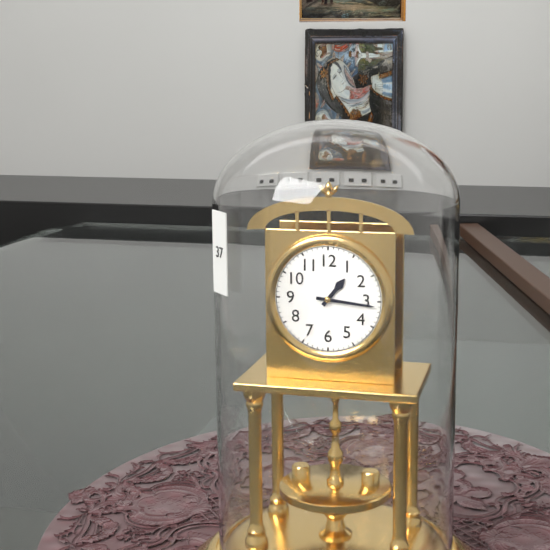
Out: {"hour": 1, "minute": 16}
